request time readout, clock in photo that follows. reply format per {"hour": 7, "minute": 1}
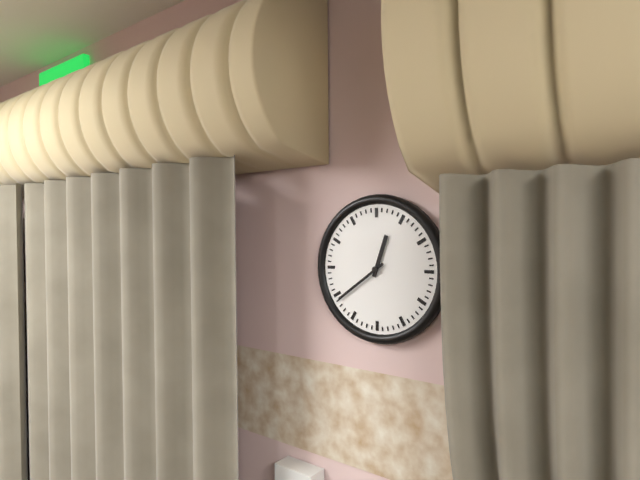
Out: {"hour": 12, "minute": 39}
